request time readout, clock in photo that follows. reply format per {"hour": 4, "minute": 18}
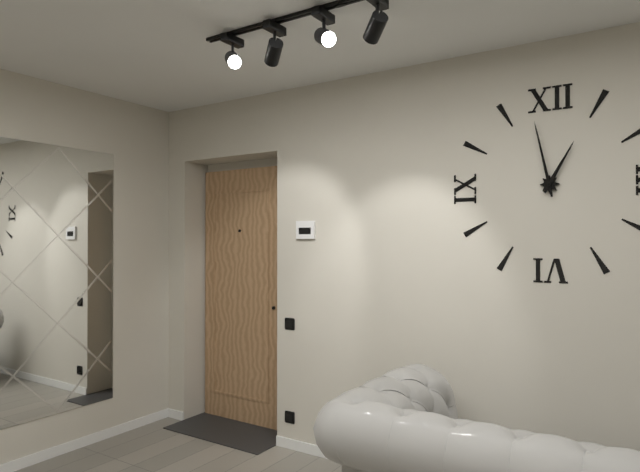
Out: {"hour": 12, "minute": 58}
